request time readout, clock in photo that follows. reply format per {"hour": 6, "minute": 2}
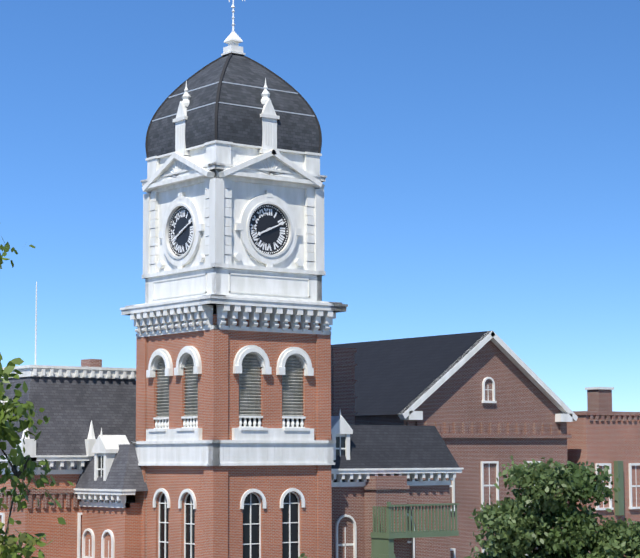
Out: {"hour": 8, "minute": 11}
